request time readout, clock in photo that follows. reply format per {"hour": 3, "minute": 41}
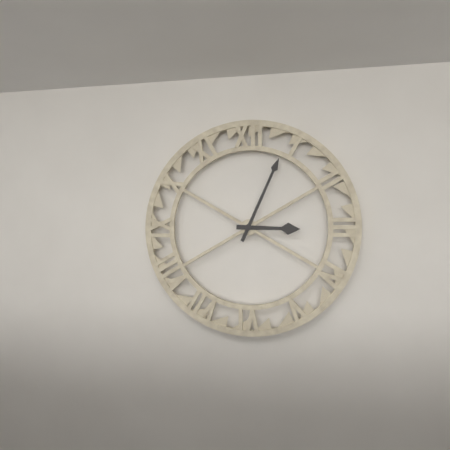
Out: {"hour": 3, "minute": 4}
